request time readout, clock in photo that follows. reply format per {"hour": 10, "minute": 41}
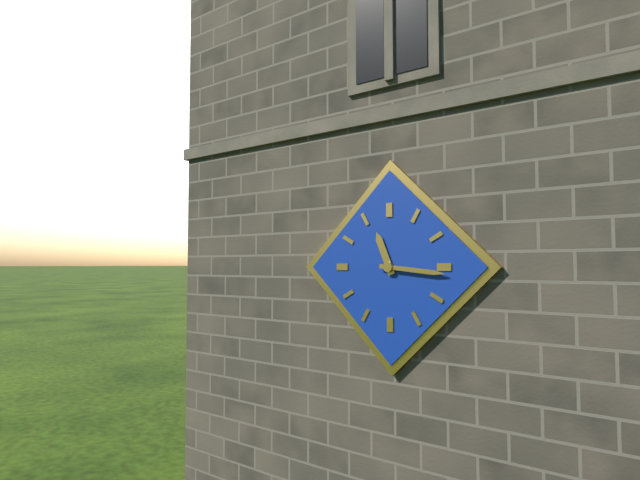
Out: {"hour": 11, "minute": 16}
